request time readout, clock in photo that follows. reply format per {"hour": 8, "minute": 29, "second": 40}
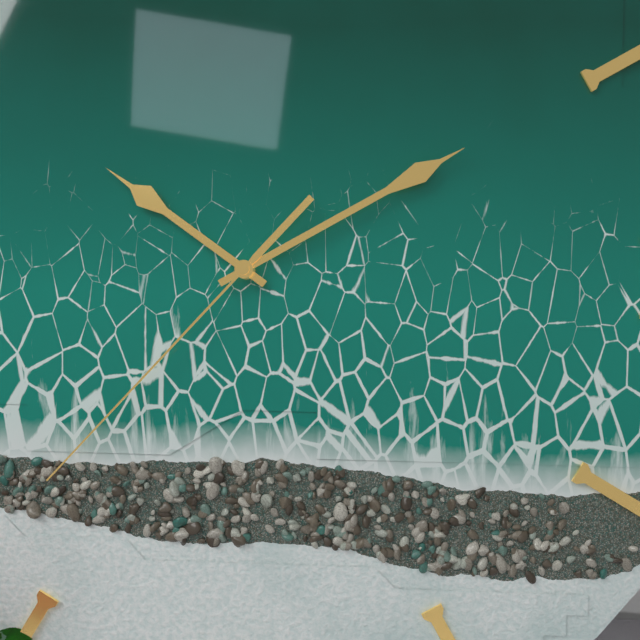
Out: {"hour": 10, "minute": 10, "second": 37}
